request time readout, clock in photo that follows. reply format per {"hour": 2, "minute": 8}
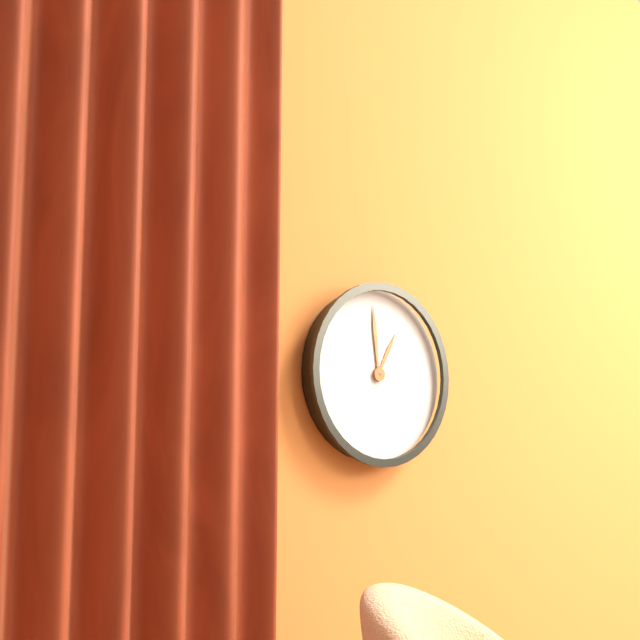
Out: {"hour": 12, "minute": 59}
